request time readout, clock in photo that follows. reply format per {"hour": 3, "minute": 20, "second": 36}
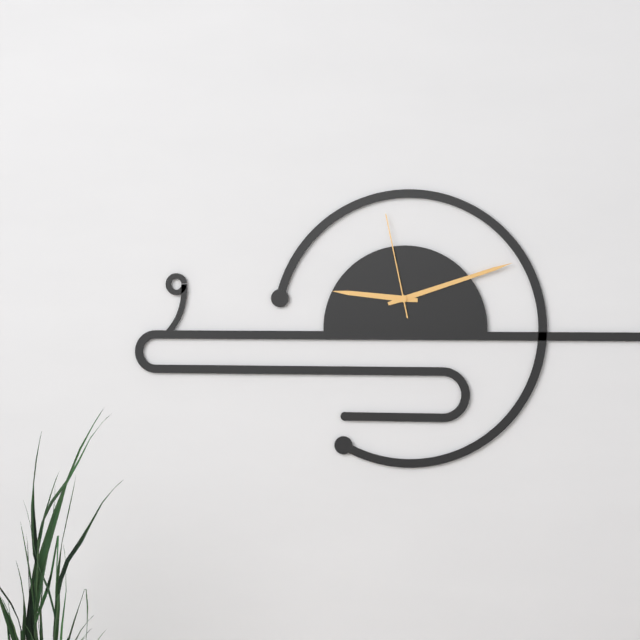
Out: {"hour": 9, "minute": 12, "second": 58}
